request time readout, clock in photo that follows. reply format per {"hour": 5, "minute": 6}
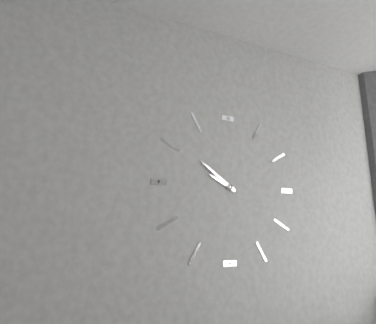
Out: {"hour": 9, "minute": 51}
